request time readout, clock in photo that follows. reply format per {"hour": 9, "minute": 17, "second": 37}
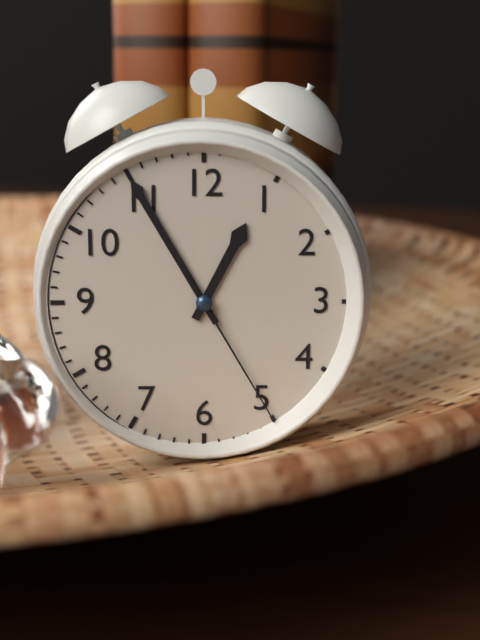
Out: {"hour": 12, "minute": 55, "second": 25}
